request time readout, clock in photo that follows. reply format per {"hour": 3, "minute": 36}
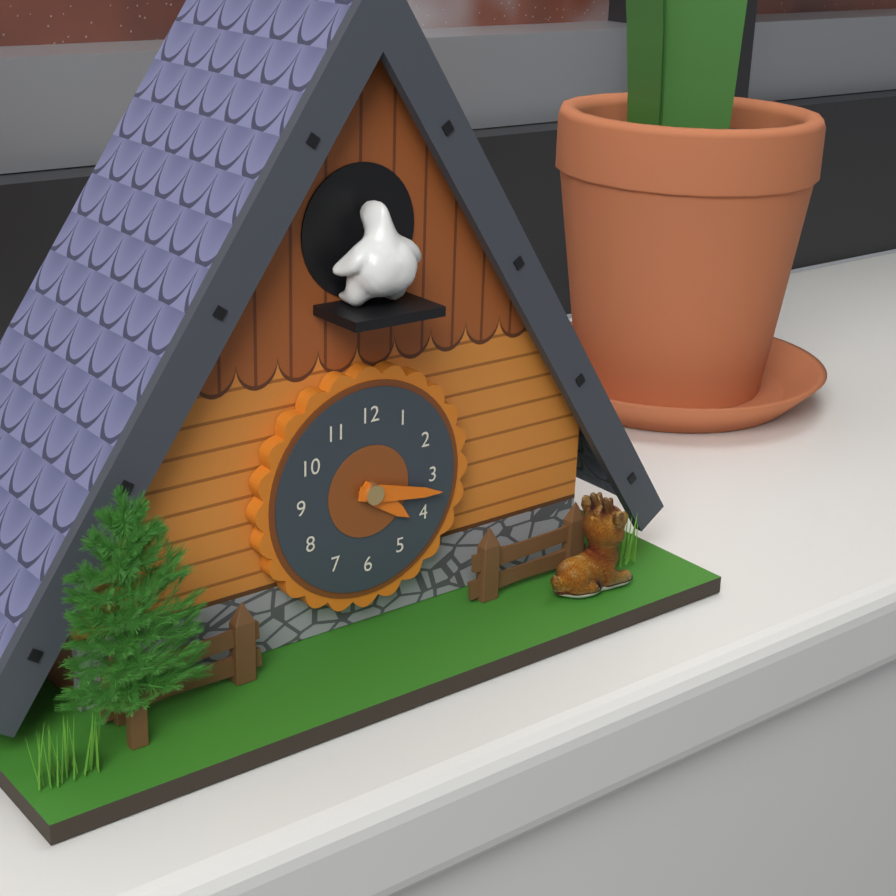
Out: {"hour": 4, "minute": 17}
